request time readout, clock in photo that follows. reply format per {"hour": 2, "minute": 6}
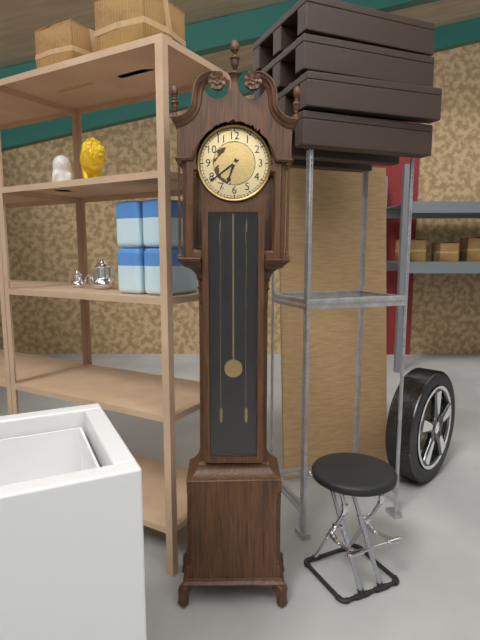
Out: {"hour": 6, "minute": 39}
